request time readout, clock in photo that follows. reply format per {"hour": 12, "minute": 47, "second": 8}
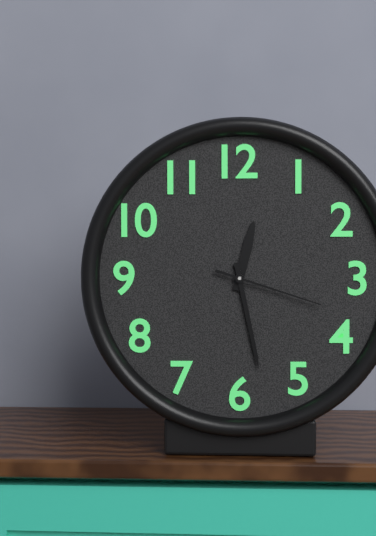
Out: {"hour": 12, "minute": 28, "second": 18}
